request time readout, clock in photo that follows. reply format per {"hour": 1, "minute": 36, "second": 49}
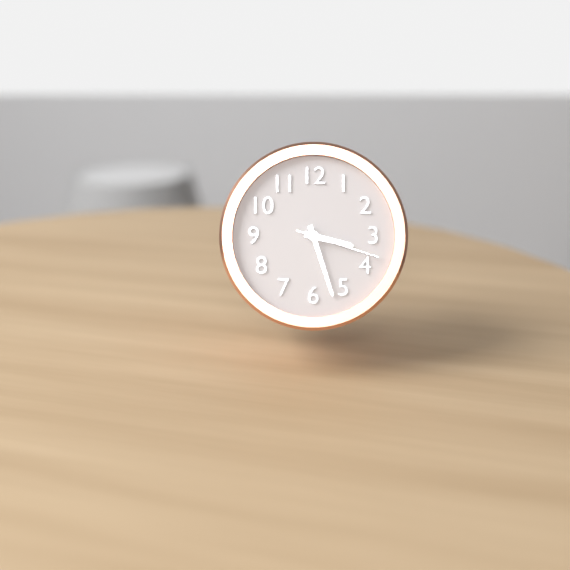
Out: {"hour": 3, "minute": 27, "second": 18}
